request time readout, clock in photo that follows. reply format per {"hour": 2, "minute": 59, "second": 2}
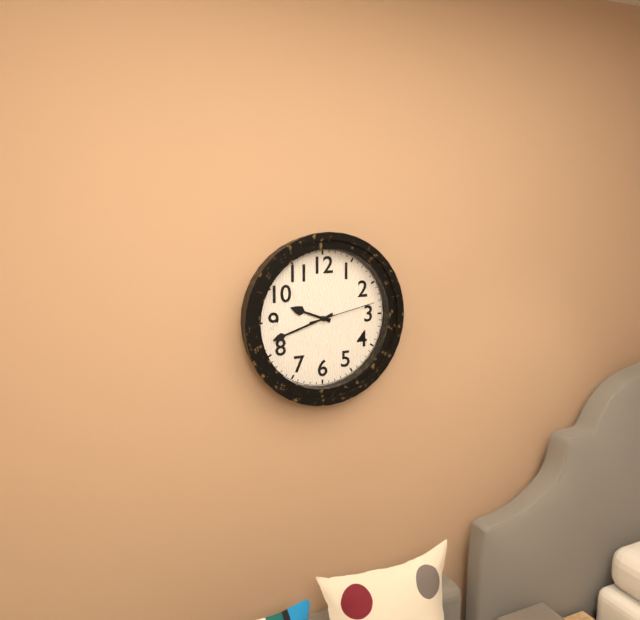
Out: {"hour": 9, "minute": 42, "second": 13}
